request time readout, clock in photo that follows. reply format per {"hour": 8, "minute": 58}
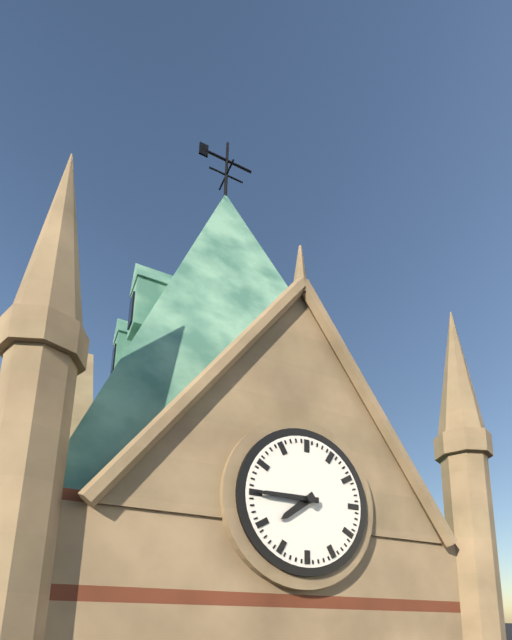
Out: {"hour": 7, "minute": 45}
